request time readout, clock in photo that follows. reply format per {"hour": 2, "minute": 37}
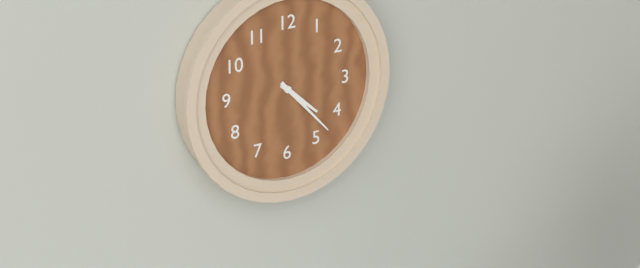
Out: {"hour": 4, "minute": 23}
